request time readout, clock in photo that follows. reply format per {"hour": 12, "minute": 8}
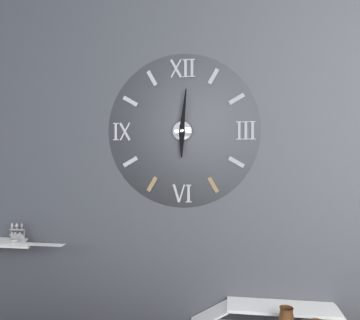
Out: {"hour": 6, "minute": 1}
